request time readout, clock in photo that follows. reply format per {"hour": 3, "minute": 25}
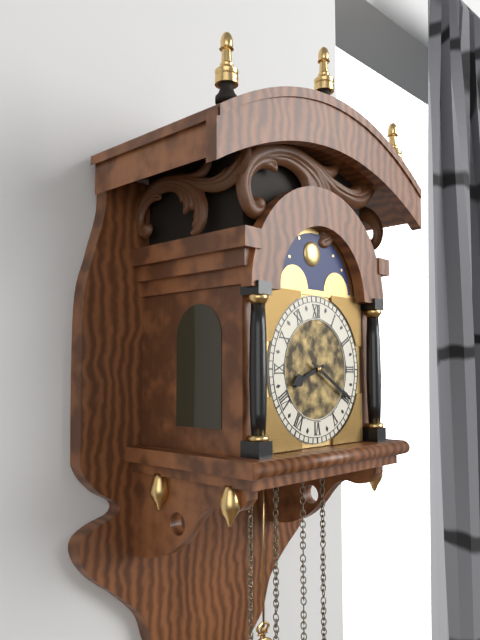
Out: {"hour": 8, "minute": 20}
